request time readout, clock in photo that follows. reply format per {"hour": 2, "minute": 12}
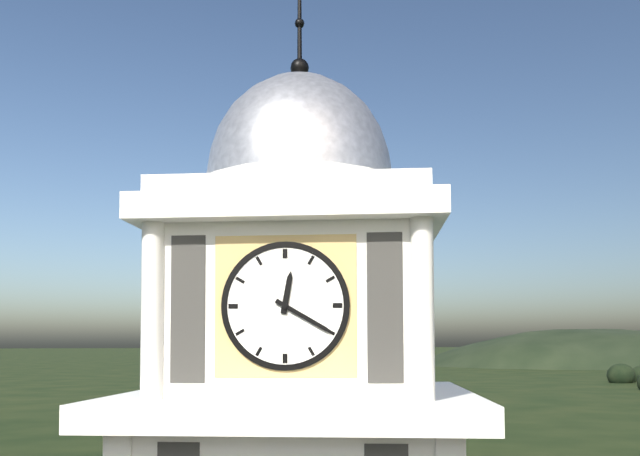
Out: {"hour": 12, "minute": 20}
